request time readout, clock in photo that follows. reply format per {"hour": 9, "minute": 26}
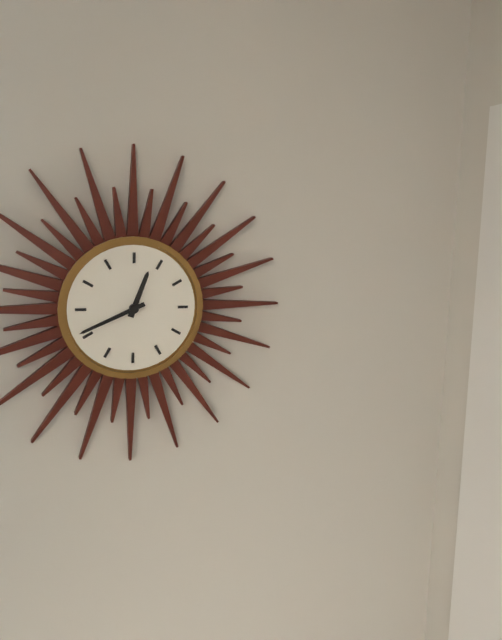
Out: {"hour": 12, "minute": 41}
